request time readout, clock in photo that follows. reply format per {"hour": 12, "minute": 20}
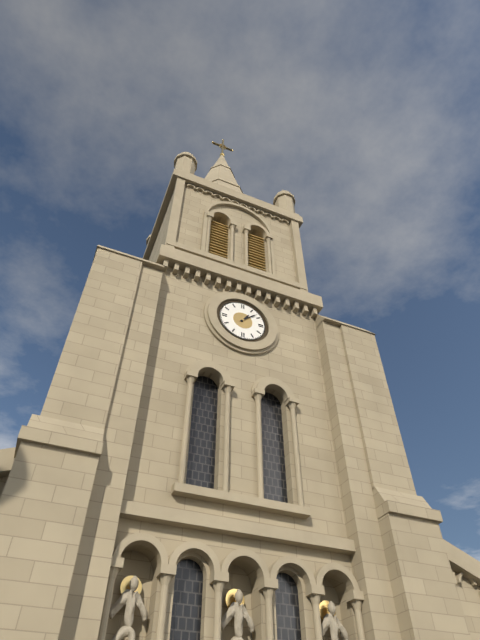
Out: {"hour": 1, "minute": 8}
